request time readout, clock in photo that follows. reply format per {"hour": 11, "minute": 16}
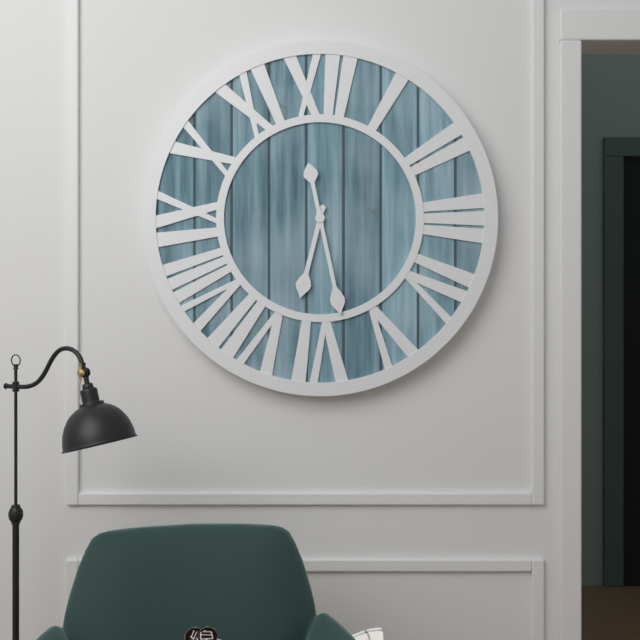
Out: {"hour": 6, "minute": 28}
